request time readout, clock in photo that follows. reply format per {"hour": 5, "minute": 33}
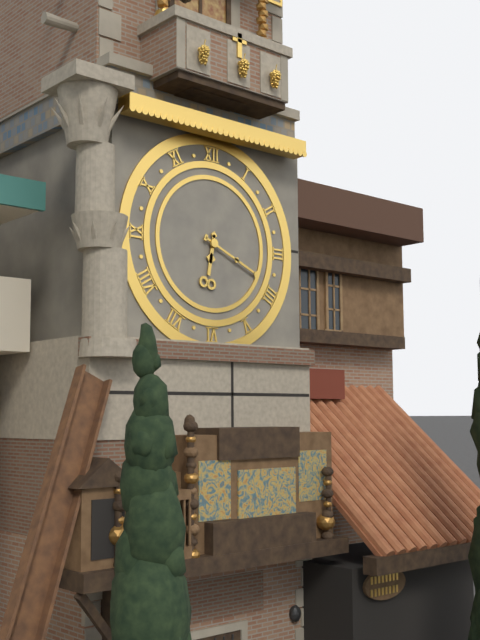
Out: {"hour": 6, "minute": 19}
